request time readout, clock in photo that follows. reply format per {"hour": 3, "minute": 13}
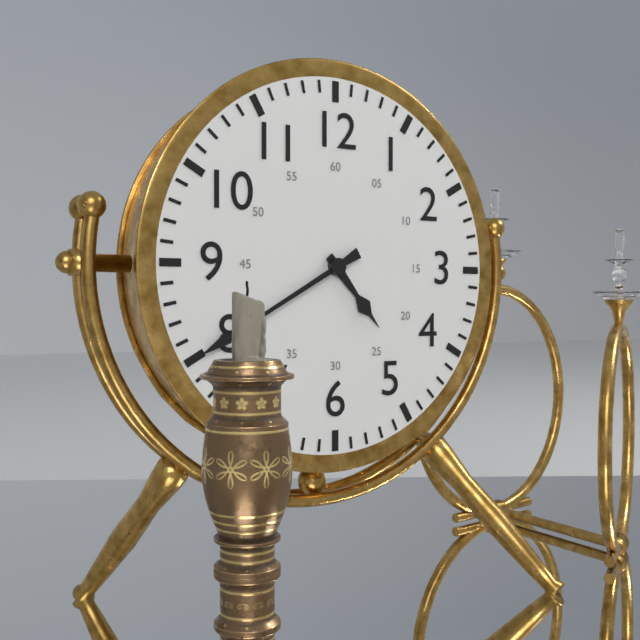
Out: {"hour": 4, "minute": 40}
